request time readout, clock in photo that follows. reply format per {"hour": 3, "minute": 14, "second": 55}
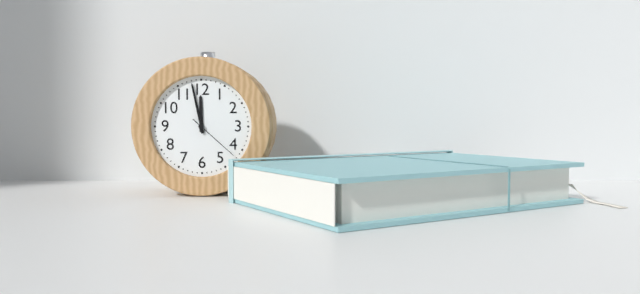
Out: {"hour": 11, "minute": 58, "second": 22}
